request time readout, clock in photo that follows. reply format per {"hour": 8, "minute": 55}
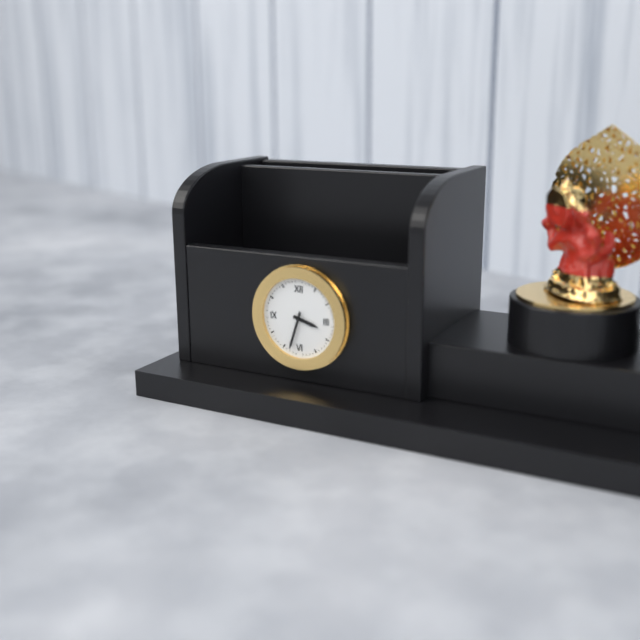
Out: {"hour": 3, "minute": 33}
